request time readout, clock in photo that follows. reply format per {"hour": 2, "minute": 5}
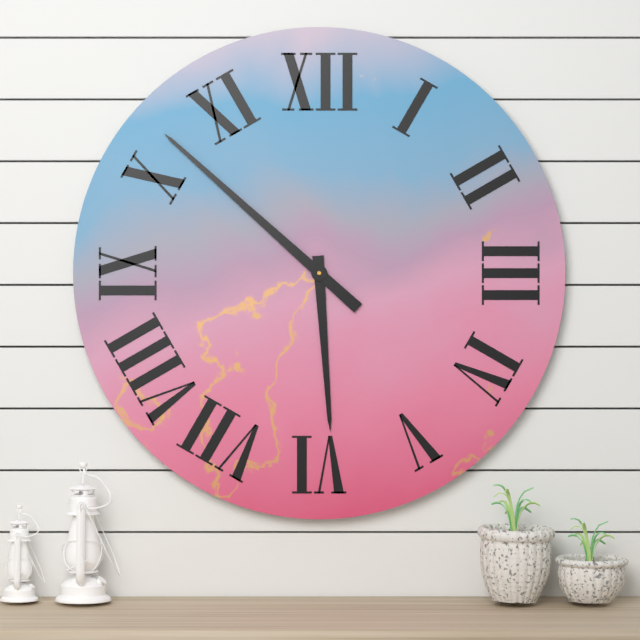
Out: {"hour": 5, "minute": 52}
